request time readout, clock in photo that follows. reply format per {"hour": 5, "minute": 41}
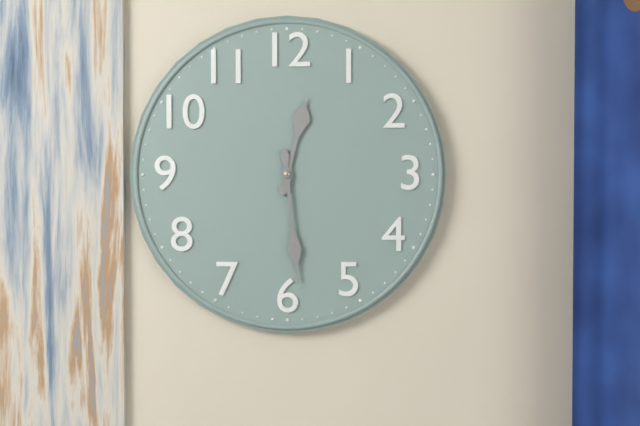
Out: {"hour": 12, "minute": 29}
